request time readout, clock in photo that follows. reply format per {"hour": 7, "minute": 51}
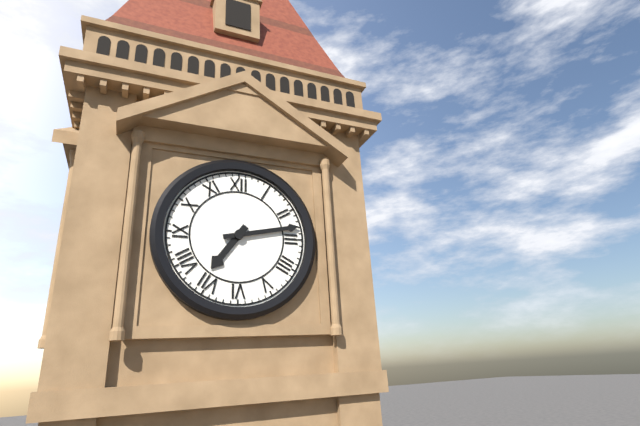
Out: {"hour": 7, "minute": 13}
